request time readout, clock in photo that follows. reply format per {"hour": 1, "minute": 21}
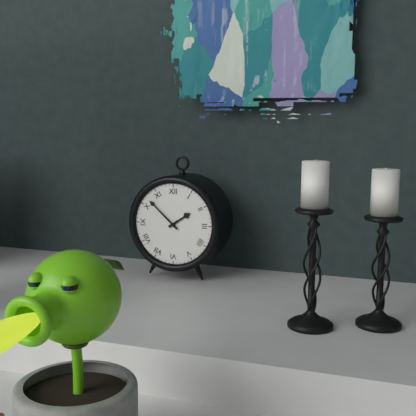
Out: {"hour": 1, "minute": 52}
